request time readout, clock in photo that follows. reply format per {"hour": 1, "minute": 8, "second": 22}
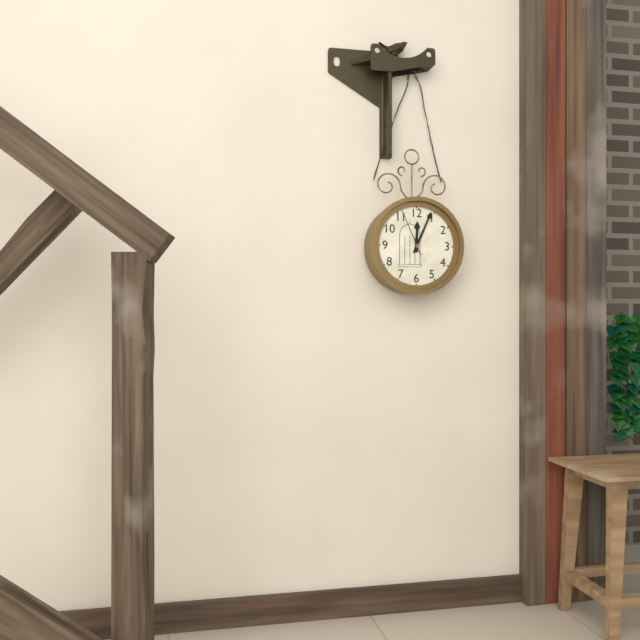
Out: {"hour": 12, "minute": 4, "second": 56}
